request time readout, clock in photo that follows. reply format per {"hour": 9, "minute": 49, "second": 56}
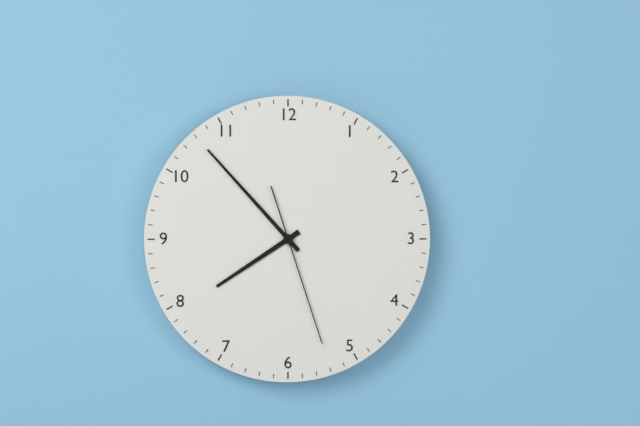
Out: {"hour": 7, "minute": 53, "second": 27}
